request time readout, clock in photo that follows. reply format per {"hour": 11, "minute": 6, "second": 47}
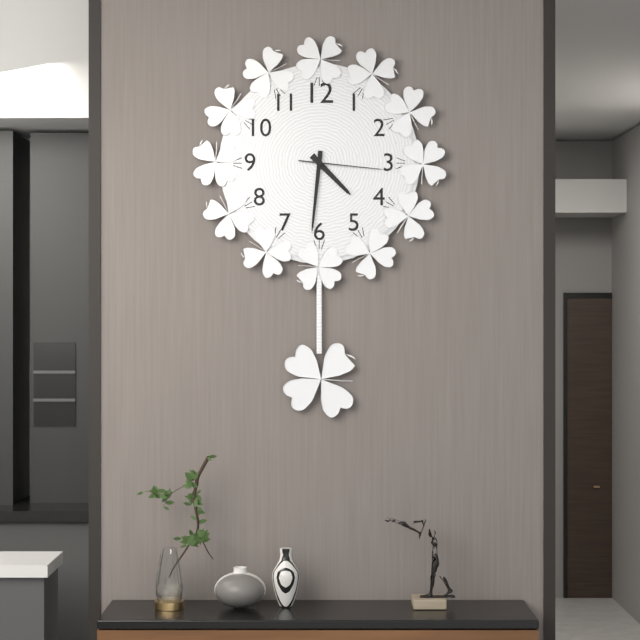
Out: {"hour": 4, "minute": 31, "second": 16}
